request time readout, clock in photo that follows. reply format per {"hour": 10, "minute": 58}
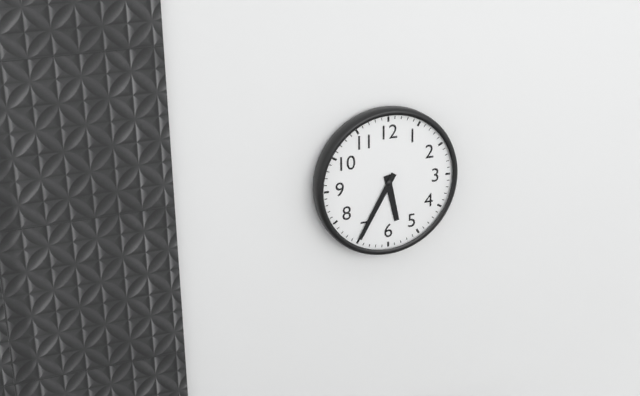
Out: {"hour": 5, "minute": 35}
